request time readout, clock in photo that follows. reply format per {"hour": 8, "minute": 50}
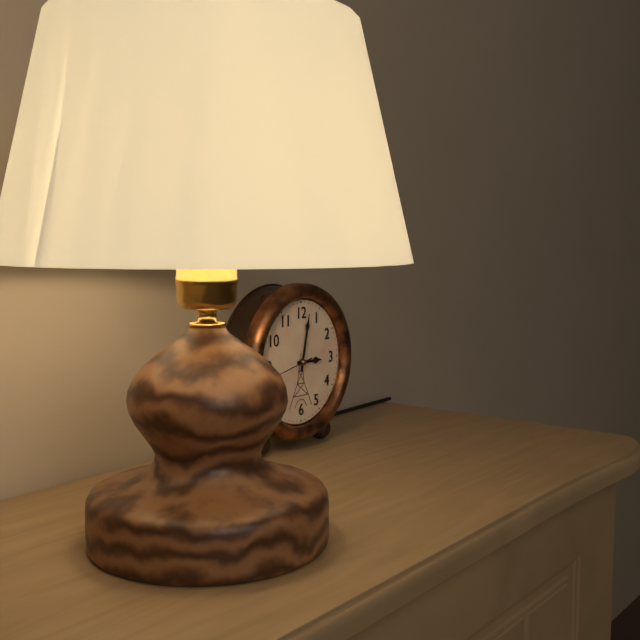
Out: {"hour": 3, "minute": 2}
